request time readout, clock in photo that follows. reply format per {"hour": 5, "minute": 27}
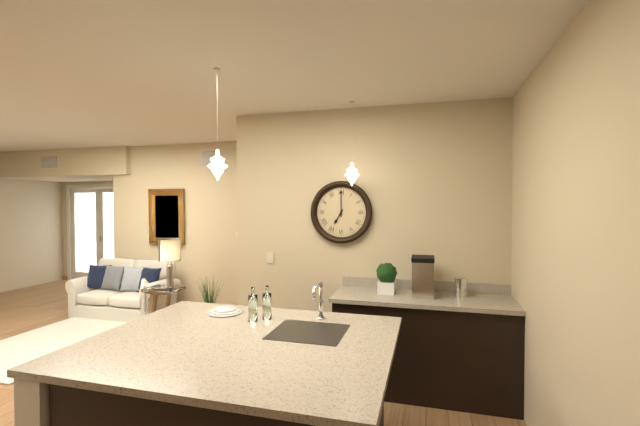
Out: {"hour": 7, "minute": 0}
